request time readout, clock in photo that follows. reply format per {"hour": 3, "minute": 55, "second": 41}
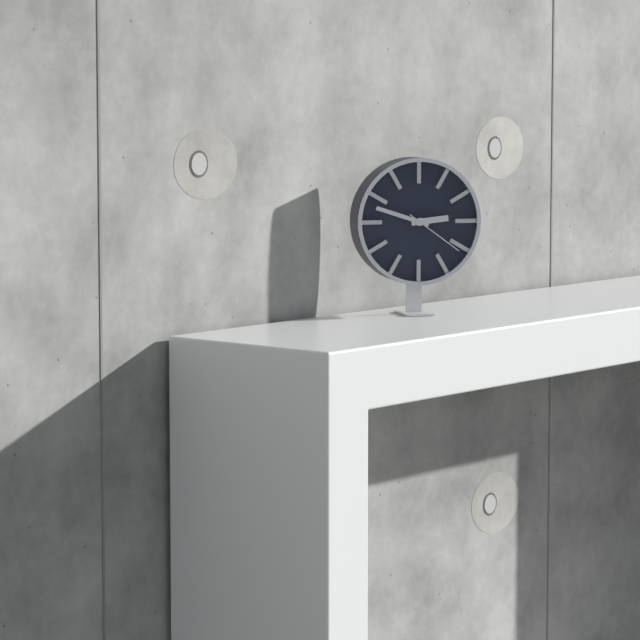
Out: {"hour": 2, "minute": 48, "second": 21}
